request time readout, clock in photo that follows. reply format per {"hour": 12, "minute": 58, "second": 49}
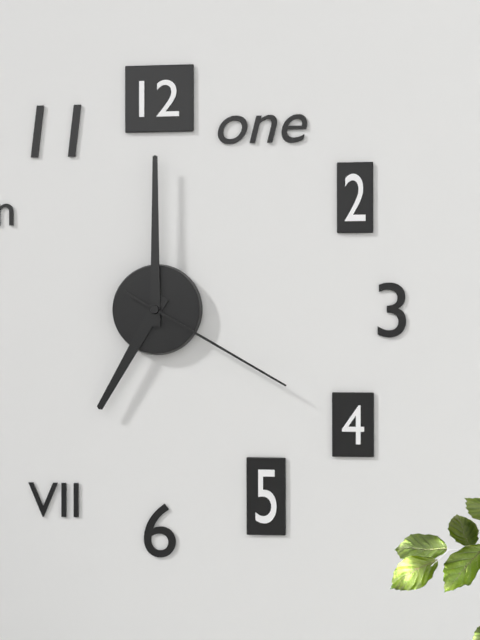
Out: {"hour": 7, "minute": 0, "second": 20}
